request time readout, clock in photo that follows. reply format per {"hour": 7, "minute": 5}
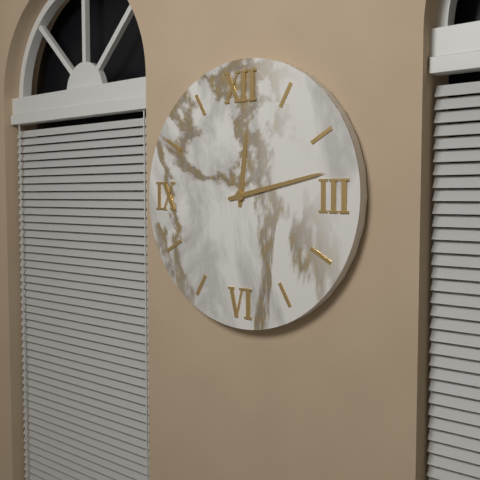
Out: {"hour": 12, "minute": 13}
